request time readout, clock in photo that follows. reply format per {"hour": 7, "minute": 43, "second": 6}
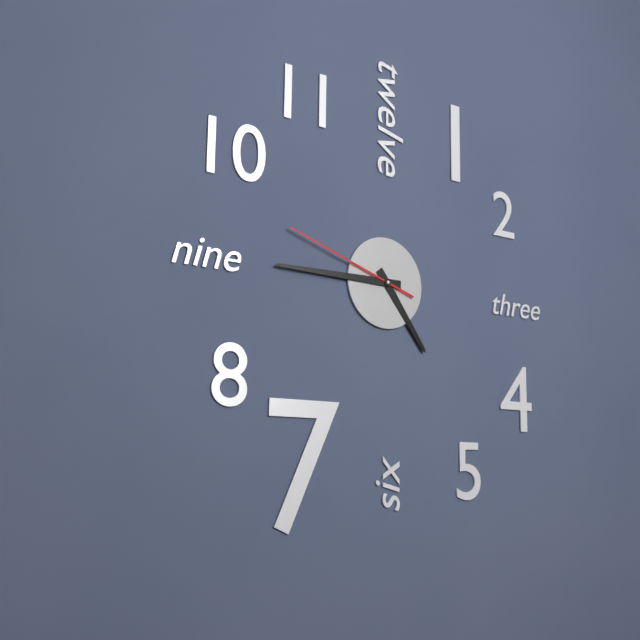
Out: {"hour": 4, "minute": 45, "second": 48}
